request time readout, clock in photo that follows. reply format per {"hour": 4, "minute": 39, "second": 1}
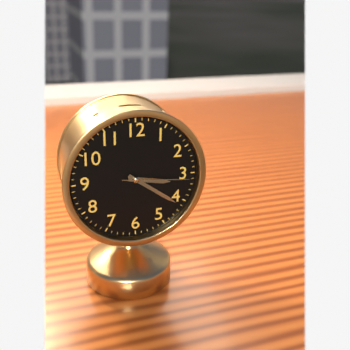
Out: {"hour": 3, "minute": 21, "second": 16}
